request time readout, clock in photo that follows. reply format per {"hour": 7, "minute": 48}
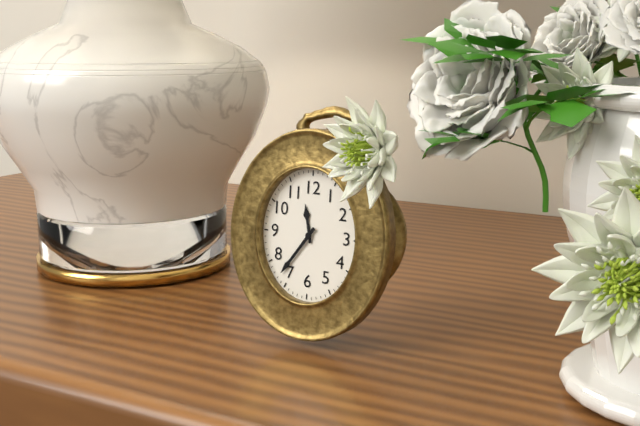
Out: {"hour": 11, "minute": 36}
